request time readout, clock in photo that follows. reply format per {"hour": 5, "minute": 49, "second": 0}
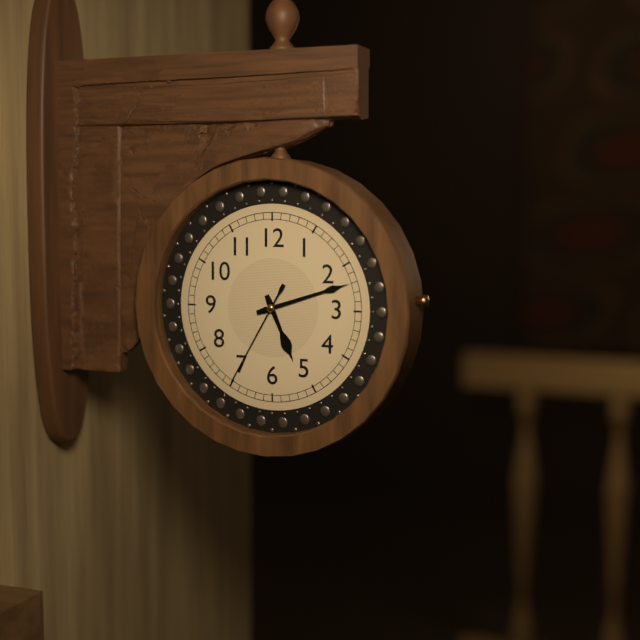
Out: {"hour": 5, "minute": 12, "second": 35}
